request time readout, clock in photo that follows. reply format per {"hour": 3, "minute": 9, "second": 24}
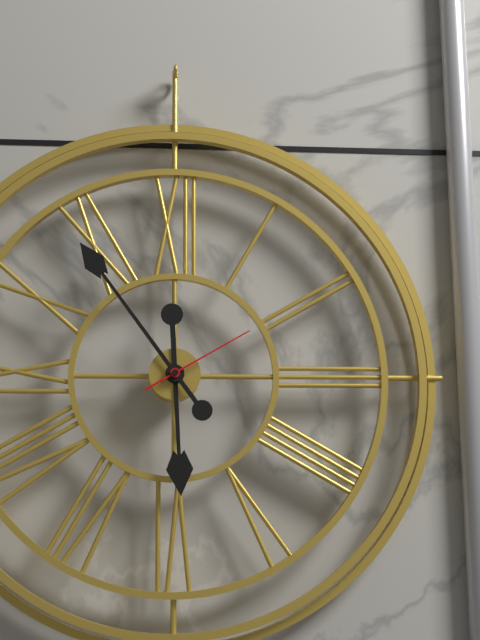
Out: {"hour": 5, "minute": 54, "second": 10}
